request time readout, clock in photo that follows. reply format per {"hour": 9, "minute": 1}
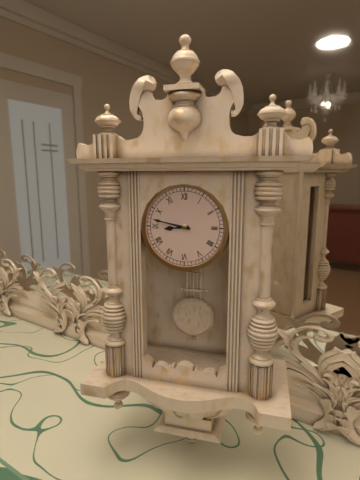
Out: {"hour": 8, "minute": 47}
